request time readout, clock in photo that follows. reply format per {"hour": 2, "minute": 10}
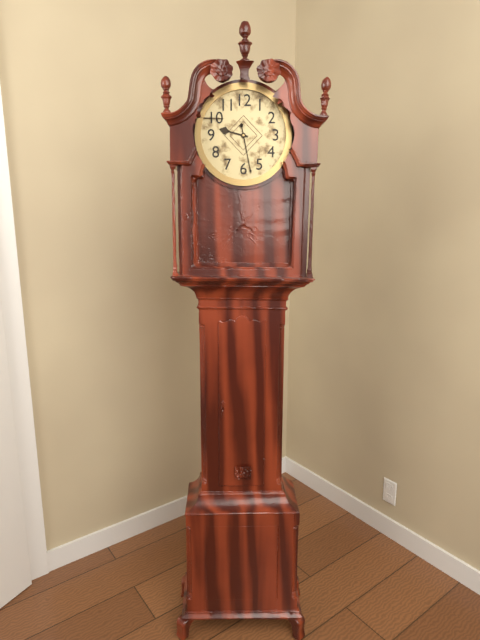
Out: {"hour": 9, "minute": 28}
